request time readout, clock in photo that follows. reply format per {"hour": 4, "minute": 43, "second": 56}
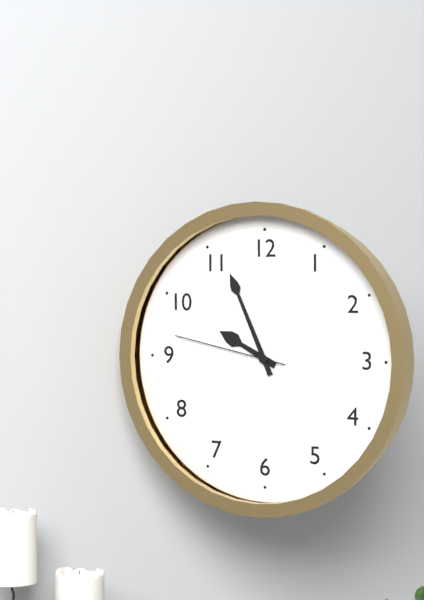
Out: {"hour": 9, "minute": 56, "second": 47}
